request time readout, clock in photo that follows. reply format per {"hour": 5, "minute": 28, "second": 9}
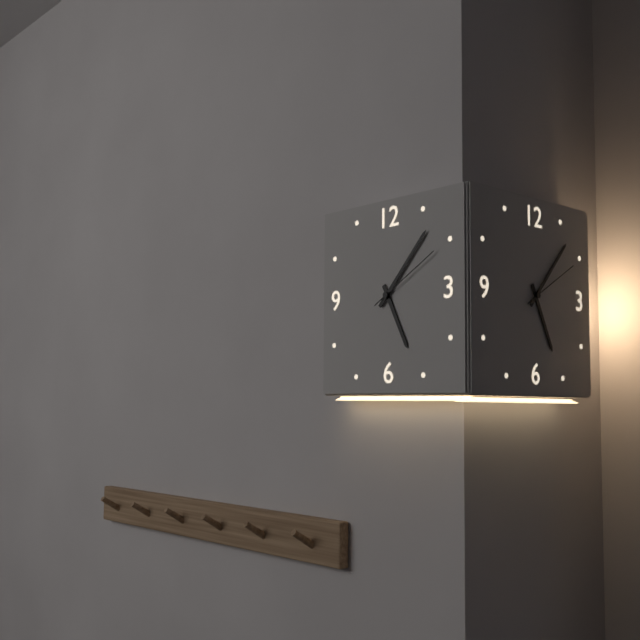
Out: {"hour": 5, "minute": 7, "second": 10}
